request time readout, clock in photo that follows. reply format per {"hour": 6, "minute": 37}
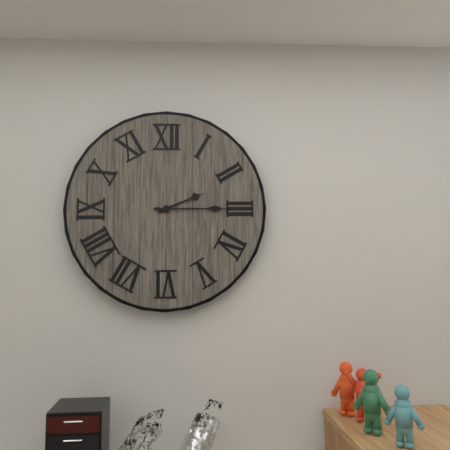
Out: {"hour": 2, "minute": 15}
